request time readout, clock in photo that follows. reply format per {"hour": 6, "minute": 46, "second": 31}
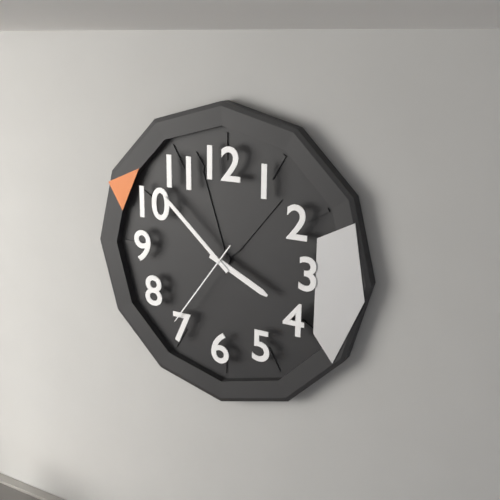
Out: {"hour": 3, "minute": 52, "second": 36}
